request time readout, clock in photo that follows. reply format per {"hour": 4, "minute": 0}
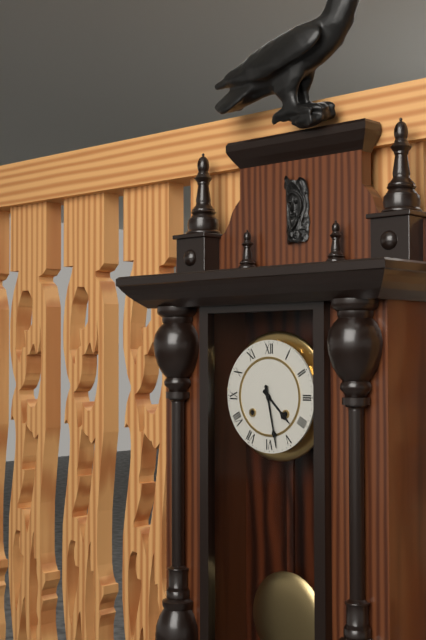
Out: {"hour": 4, "minute": 28}
